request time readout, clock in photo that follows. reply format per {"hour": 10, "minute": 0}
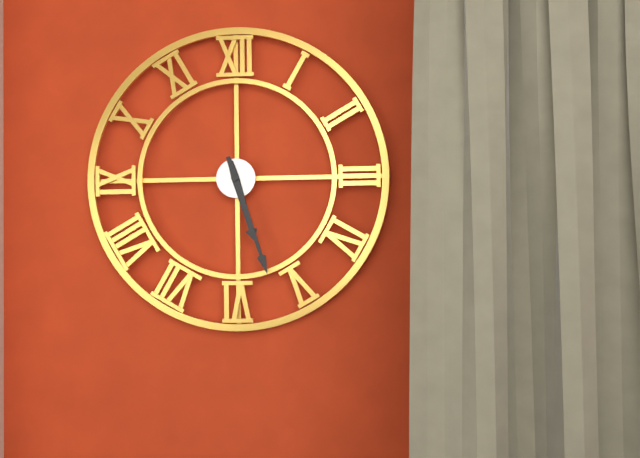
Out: {"hour": 5, "minute": 27}
